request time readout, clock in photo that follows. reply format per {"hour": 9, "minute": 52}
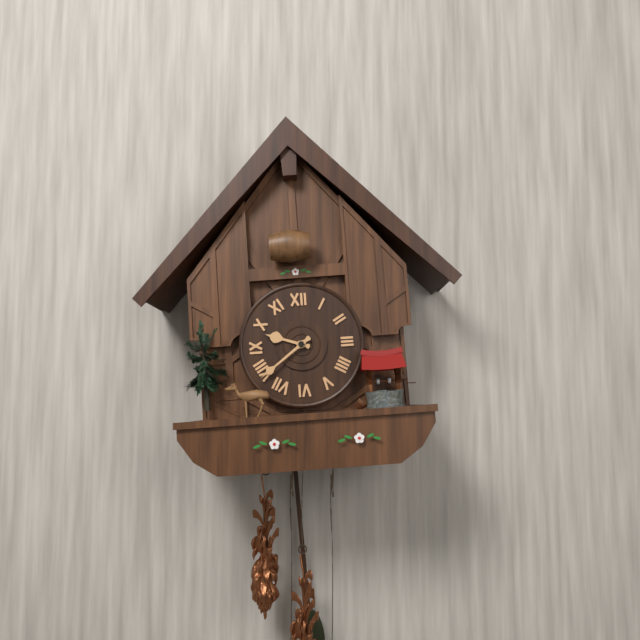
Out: {"hour": 9, "minute": 39}
